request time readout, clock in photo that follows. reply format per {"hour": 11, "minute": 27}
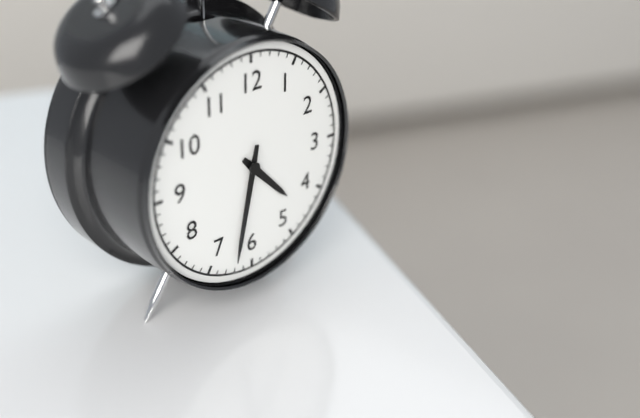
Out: {"hour": 4, "minute": 32}
